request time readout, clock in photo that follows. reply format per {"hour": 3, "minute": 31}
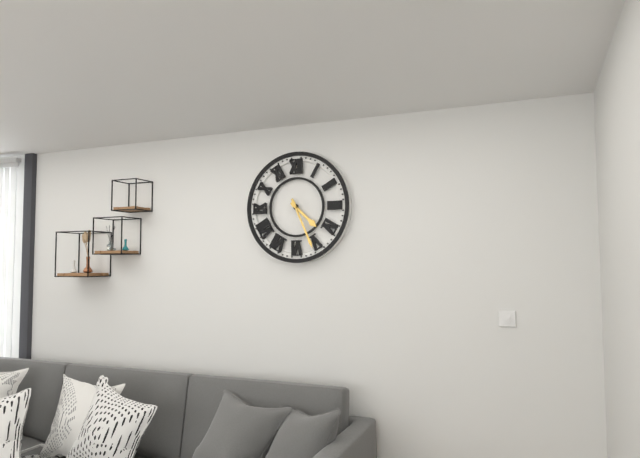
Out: {"hour": 4, "minute": 26}
